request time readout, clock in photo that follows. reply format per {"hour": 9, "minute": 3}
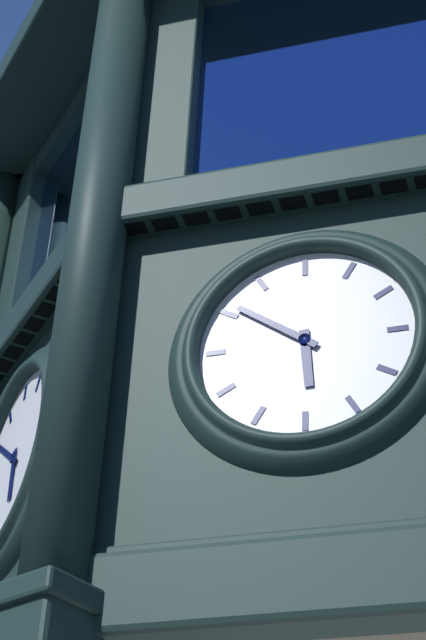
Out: {"hour": 5, "minute": 51}
